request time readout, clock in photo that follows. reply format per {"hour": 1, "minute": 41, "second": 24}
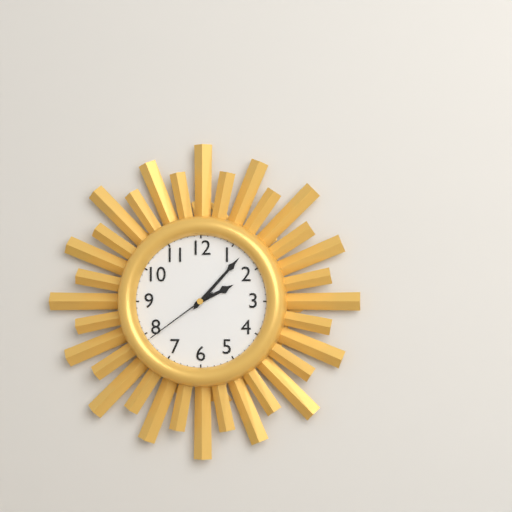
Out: {"hour": 2, "minute": 7, "second": 39}
